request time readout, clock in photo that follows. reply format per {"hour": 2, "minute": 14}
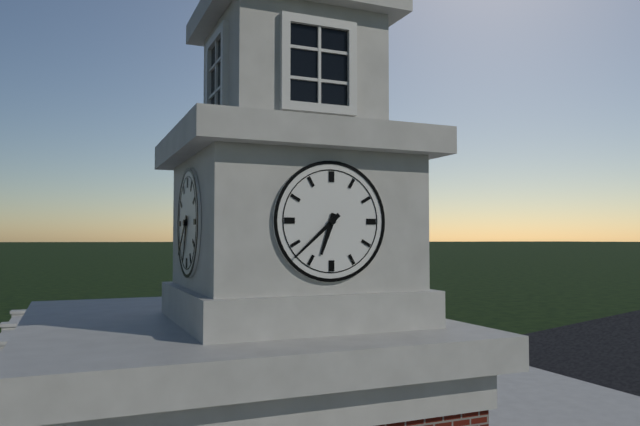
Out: {"hour": 6, "minute": 38}
